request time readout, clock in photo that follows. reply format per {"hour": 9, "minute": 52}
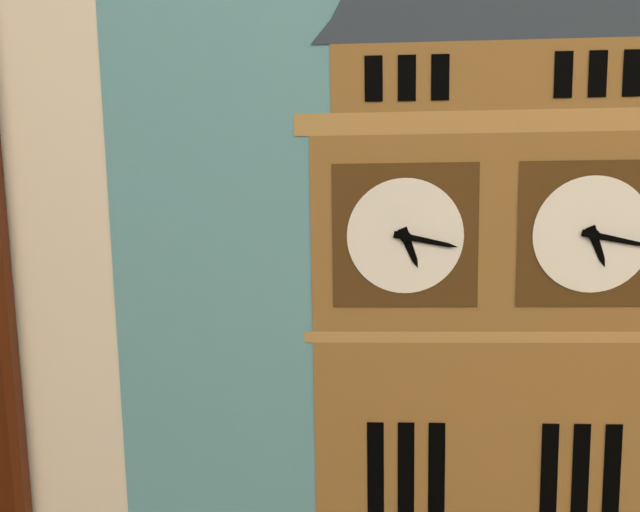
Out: {"hour": 5, "minute": 17}
